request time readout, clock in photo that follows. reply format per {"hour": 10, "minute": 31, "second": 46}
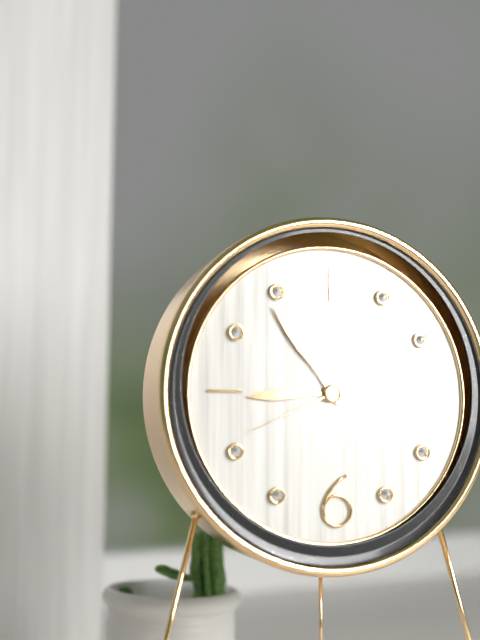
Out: {"hour": 8, "minute": 54, "second": 41}
